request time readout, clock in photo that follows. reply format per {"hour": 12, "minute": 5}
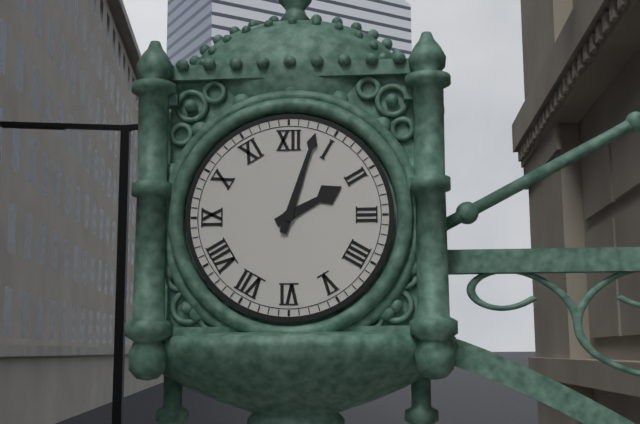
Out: {"hour": 2, "minute": 3}
